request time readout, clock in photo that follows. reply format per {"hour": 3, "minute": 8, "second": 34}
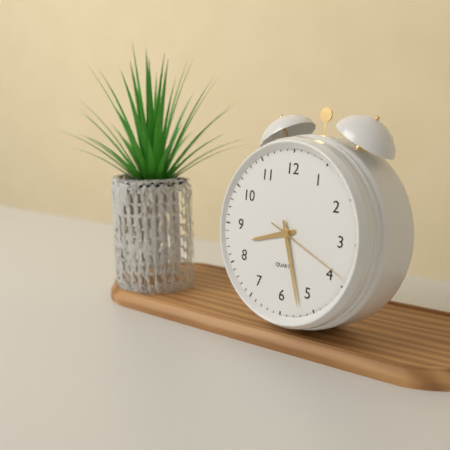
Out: {"hour": 8, "minute": 27, "second": 19}
